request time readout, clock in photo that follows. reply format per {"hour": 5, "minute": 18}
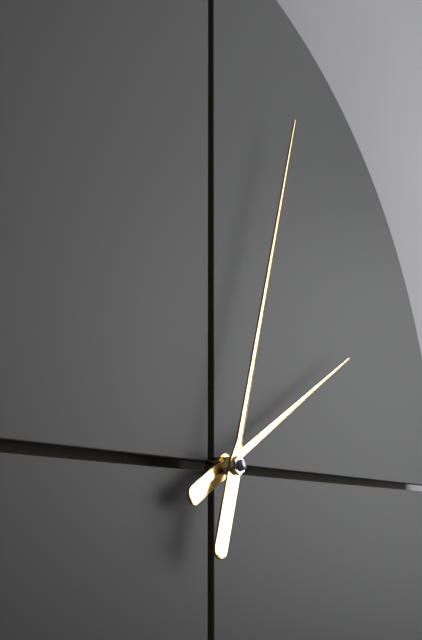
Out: {"hour": 2, "minute": 3}
